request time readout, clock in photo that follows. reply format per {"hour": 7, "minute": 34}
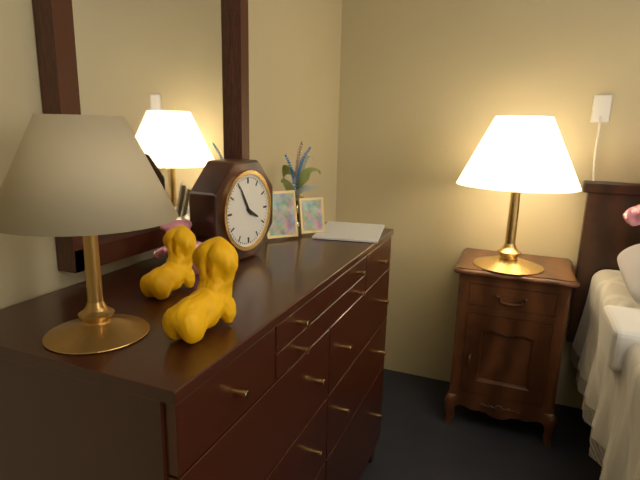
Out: {"hour": 3, "minute": 55}
